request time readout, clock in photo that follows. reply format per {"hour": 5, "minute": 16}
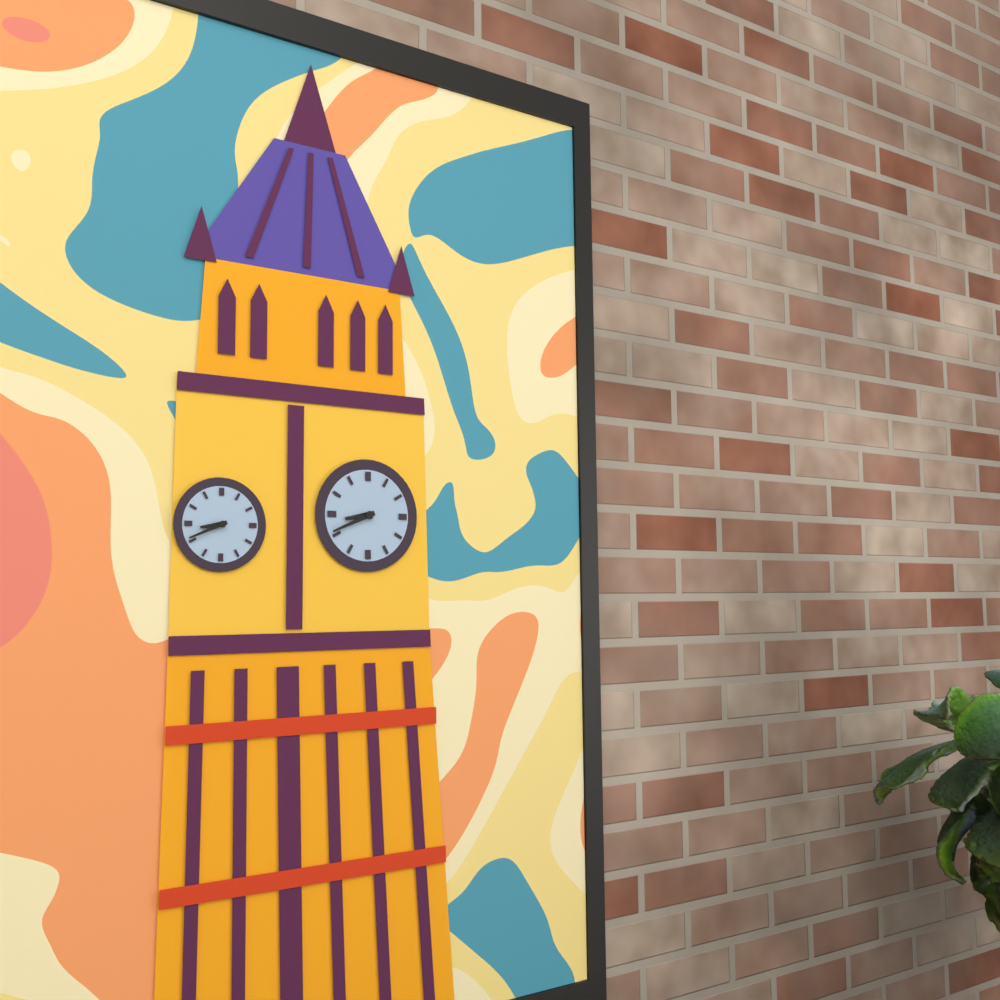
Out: {"hour": 8, "minute": 41}
